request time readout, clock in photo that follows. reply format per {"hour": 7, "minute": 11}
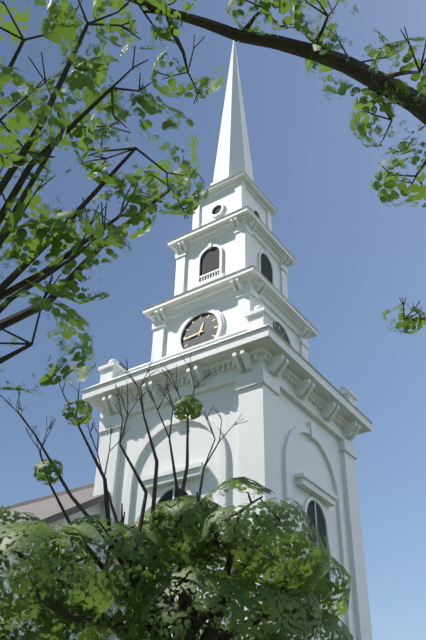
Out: {"hour": 12, "minute": 44}
